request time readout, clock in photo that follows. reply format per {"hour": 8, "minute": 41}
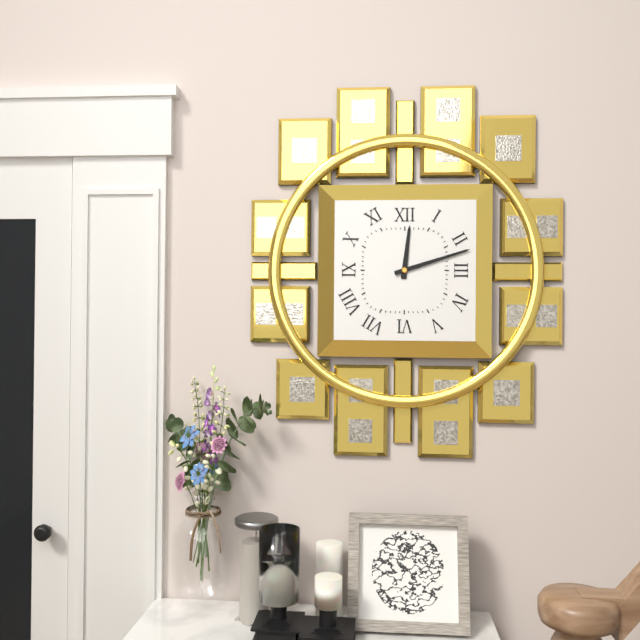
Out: {"hour": 12, "minute": 12}
